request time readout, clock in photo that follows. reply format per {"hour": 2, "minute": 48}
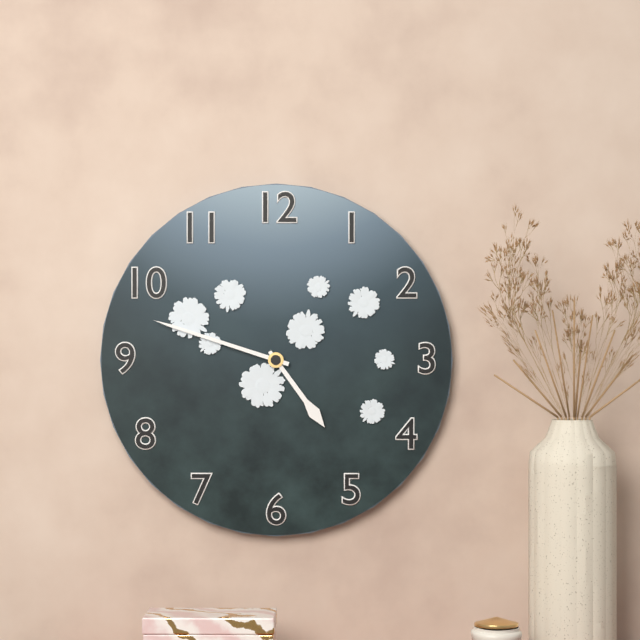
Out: {"hour": 4, "minute": 48}
